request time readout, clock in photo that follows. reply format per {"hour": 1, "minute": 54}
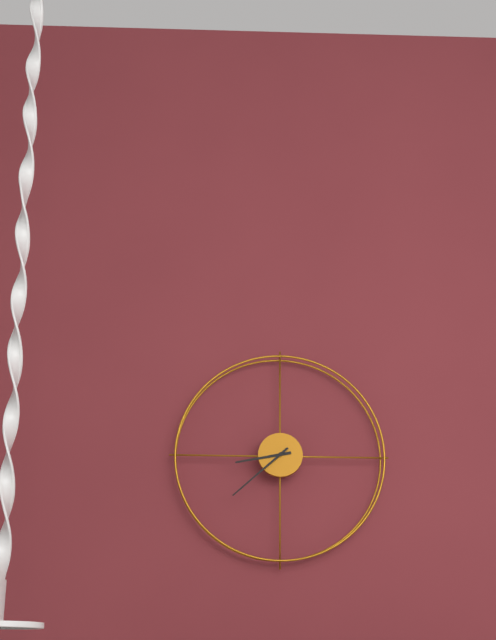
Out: {"hour": 8, "minute": 38}
